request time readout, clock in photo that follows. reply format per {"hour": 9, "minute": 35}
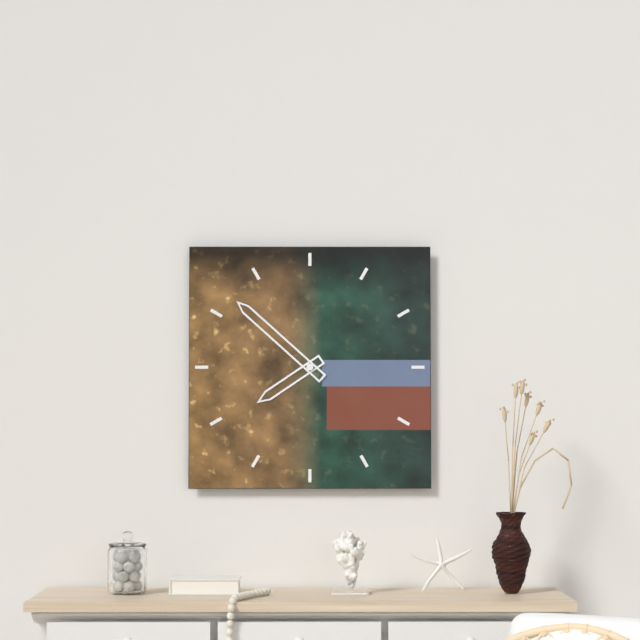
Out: {"hour": 7, "minute": 52}
